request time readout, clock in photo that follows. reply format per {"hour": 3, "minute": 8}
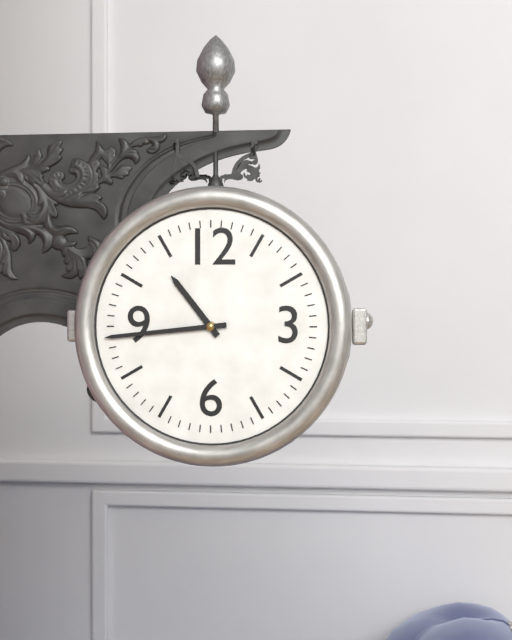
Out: {"hour": 10, "minute": 44}
